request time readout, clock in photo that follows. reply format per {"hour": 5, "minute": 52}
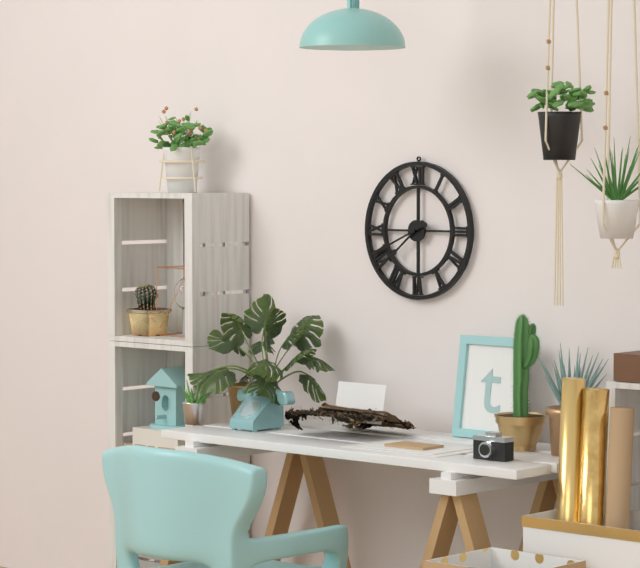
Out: {"hour": 7, "minute": 41}
